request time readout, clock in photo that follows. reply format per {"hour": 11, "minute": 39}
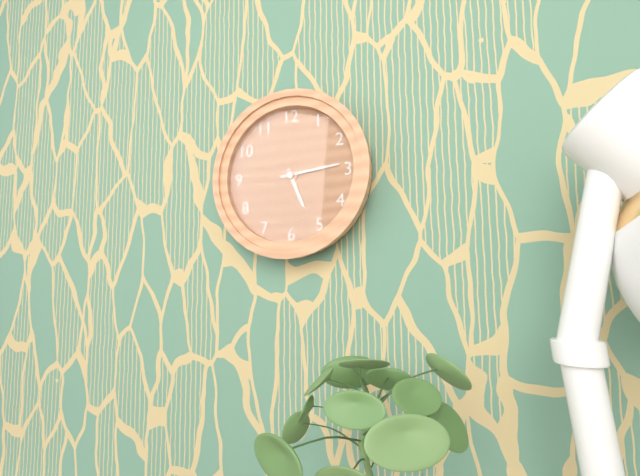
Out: {"hour": 5, "minute": 14}
